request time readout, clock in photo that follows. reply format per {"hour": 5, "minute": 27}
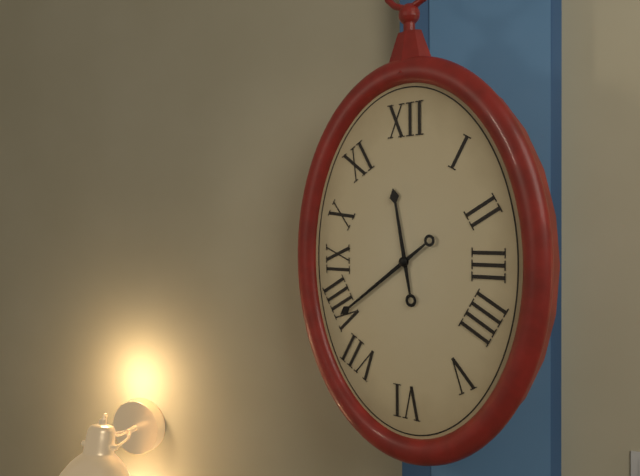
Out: {"hour": 11, "minute": 39}
